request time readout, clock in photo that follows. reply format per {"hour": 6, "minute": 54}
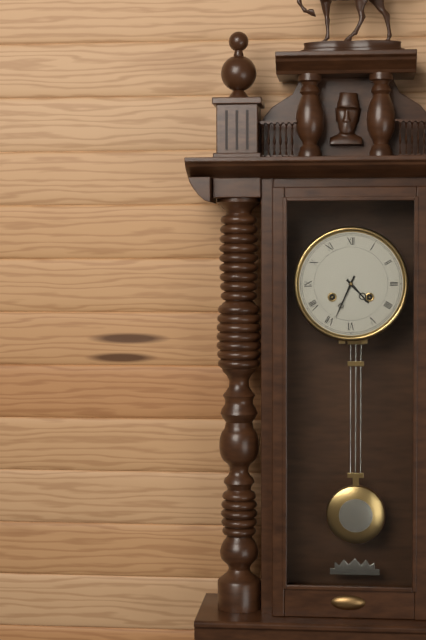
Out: {"hour": 4, "minute": 34}
